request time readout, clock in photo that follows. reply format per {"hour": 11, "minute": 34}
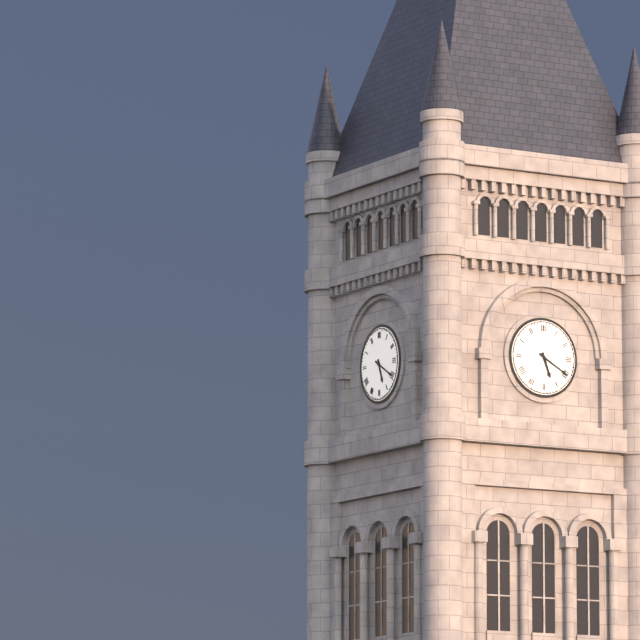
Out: {"hour": 5, "minute": 20}
